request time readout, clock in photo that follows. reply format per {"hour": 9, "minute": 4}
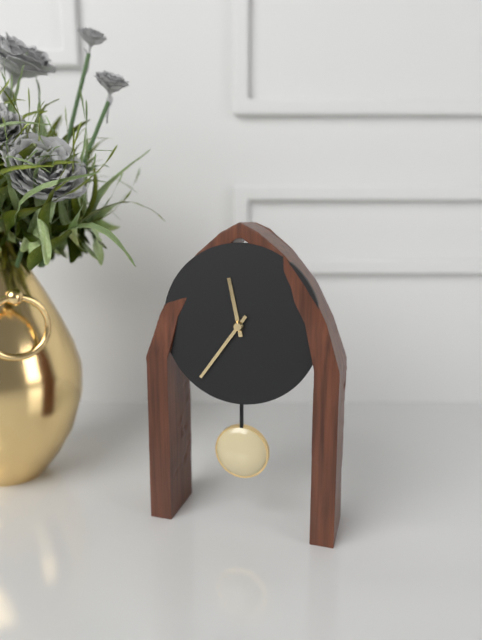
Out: {"hour": 11, "minute": 36}
